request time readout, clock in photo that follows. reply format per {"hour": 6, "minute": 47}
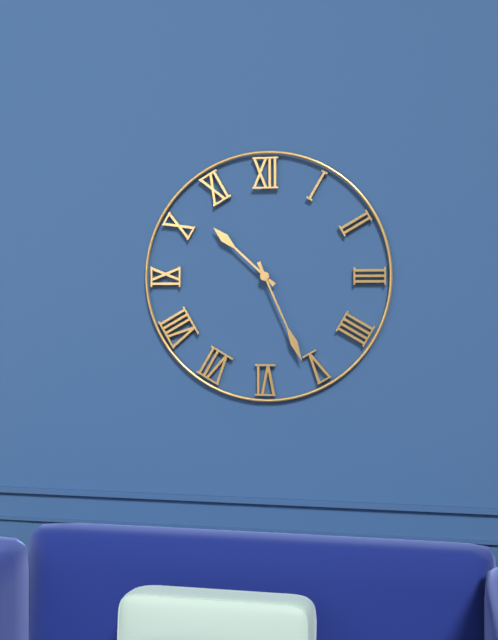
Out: {"hour": 10, "minute": 26}
